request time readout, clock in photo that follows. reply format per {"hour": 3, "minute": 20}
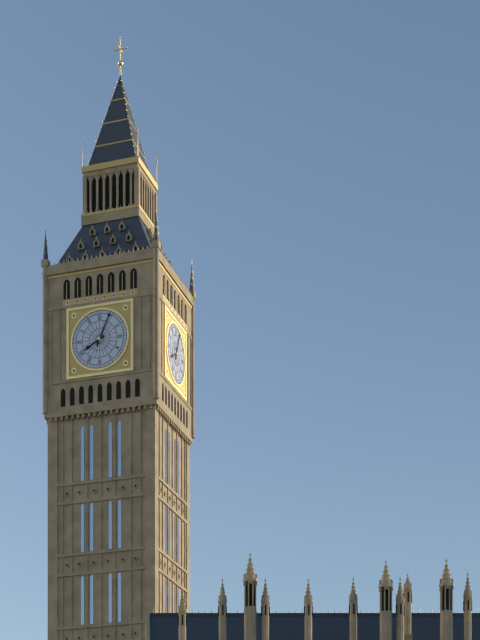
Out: {"hour": 8, "minute": 4}
